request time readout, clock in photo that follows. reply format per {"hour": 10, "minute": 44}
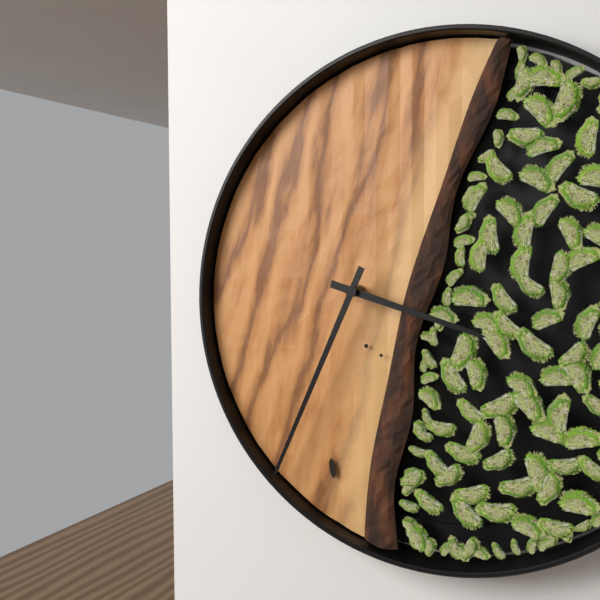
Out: {"hour": 3, "minute": 34}
